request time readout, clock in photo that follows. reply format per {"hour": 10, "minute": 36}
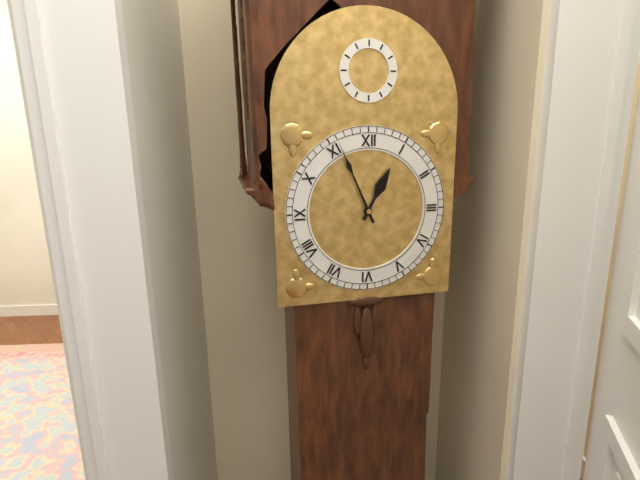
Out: {"hour": 12, "minute": 56}
